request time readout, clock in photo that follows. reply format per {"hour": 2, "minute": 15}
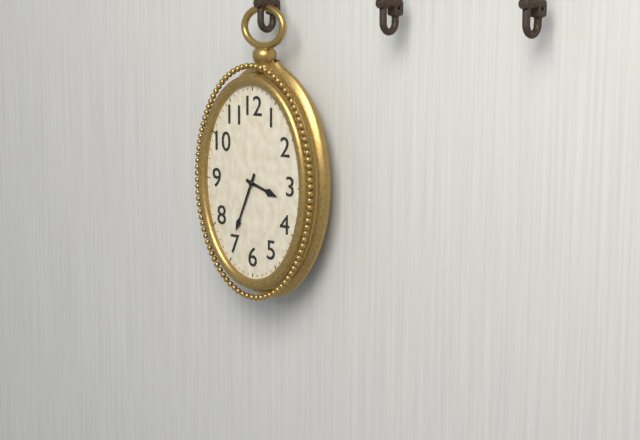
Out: {"hour": 3, "minute": 34}
